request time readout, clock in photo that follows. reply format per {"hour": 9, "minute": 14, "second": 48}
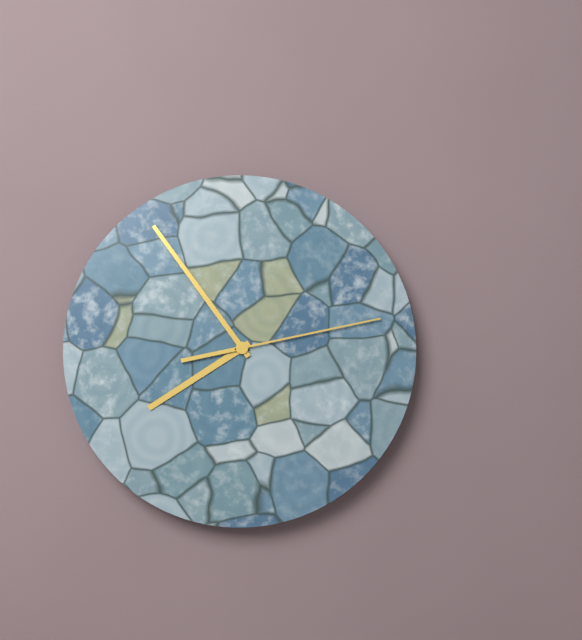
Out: {"hour": 7, "minute": 54, "second": 13}
